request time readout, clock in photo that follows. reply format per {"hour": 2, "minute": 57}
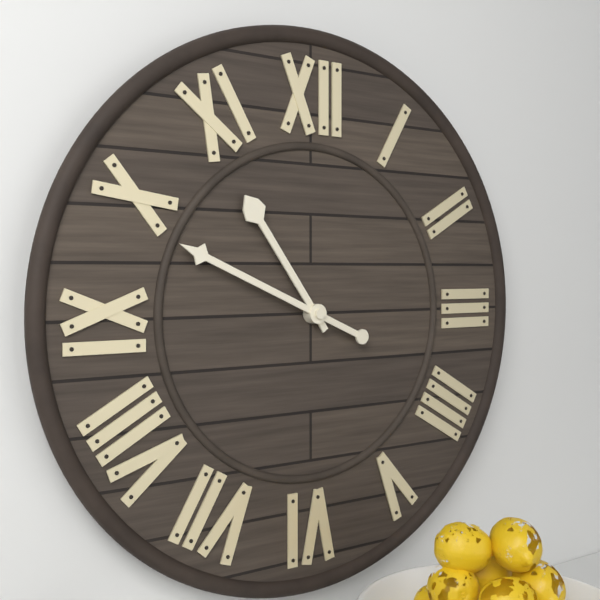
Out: {"hour": 10, "minute": 49}
